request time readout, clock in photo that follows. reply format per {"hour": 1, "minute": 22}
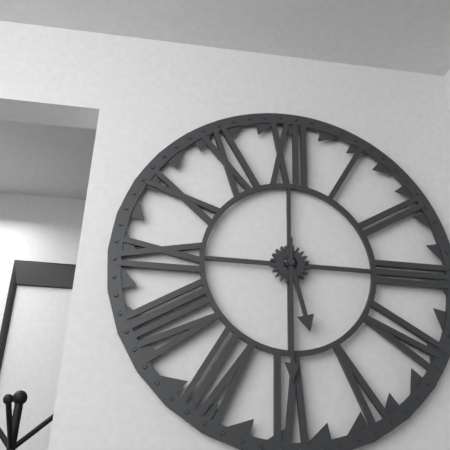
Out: {"hour": 5, "minute": 30}
